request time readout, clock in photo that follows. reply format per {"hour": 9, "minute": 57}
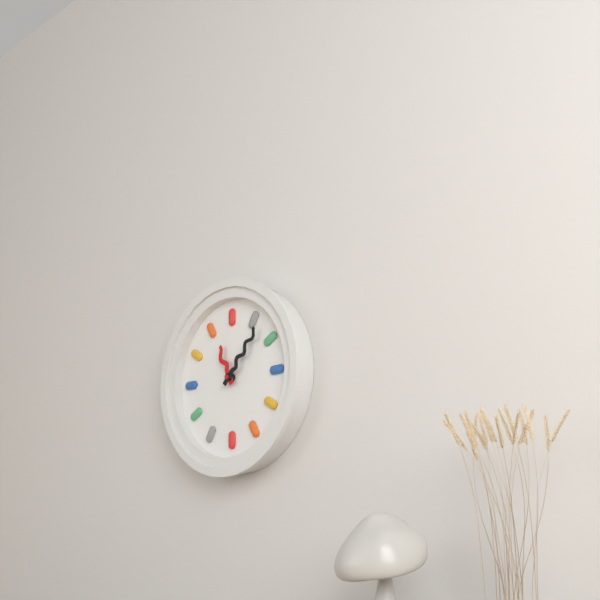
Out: {"hour": 11, "minute": 7}
